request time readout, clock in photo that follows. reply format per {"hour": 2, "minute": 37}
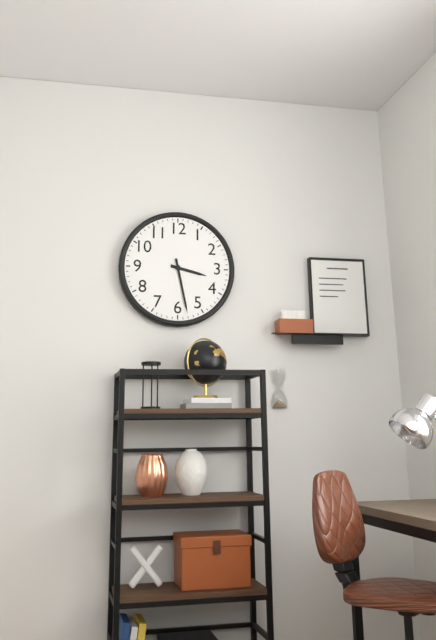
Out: {"hour": 3, "minute": 28}
